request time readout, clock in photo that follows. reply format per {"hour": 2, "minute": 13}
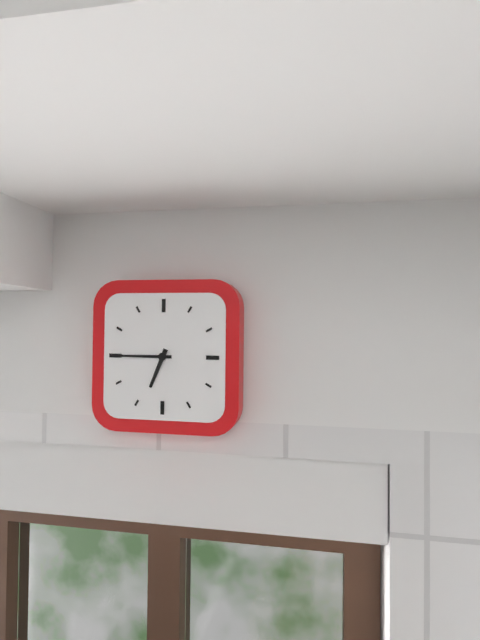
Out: {"hour": 6, "minute": 45}
